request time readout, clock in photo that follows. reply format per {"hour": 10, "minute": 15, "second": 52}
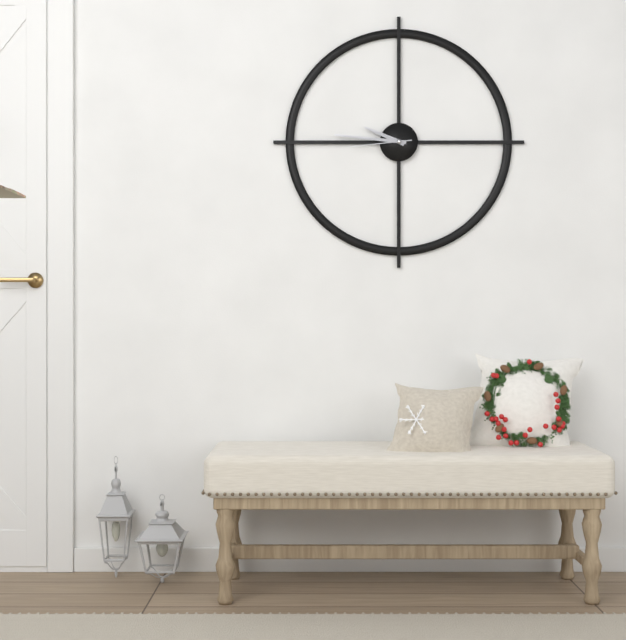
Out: {"hour": 9, "minute": 46, "second": 44}
